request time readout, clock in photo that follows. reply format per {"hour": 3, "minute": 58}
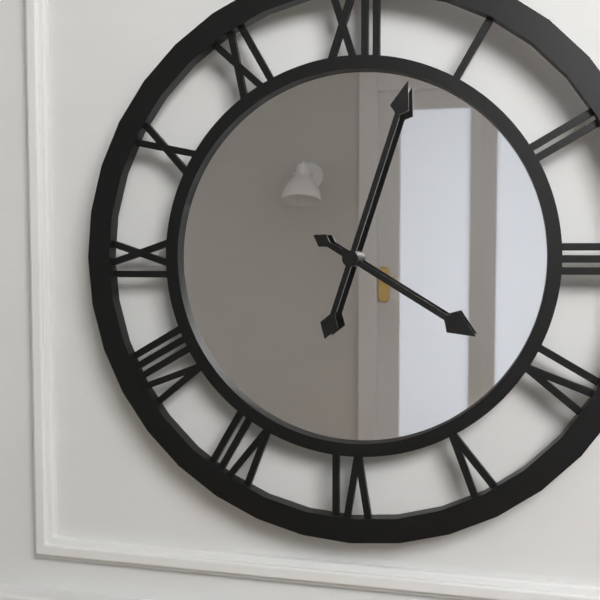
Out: {"hour": 4, "minute": 3}
